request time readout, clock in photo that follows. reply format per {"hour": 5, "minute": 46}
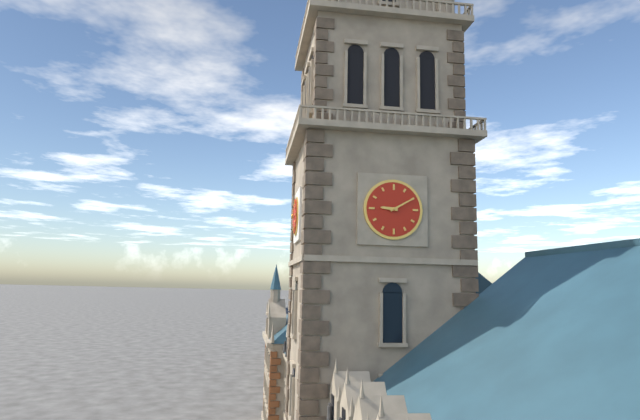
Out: {"hour": 9, "minute": 10}
